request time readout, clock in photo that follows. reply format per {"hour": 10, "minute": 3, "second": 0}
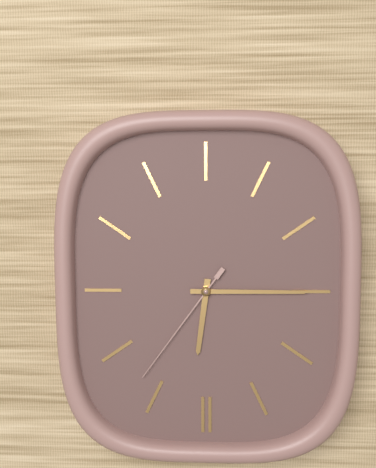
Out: {"hour": 6, "minute": 15, "second": 36}
